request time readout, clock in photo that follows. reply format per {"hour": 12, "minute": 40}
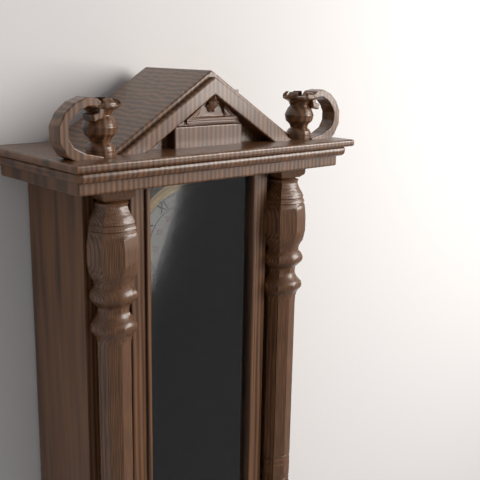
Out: {"hour": 4, "minute": 24}
